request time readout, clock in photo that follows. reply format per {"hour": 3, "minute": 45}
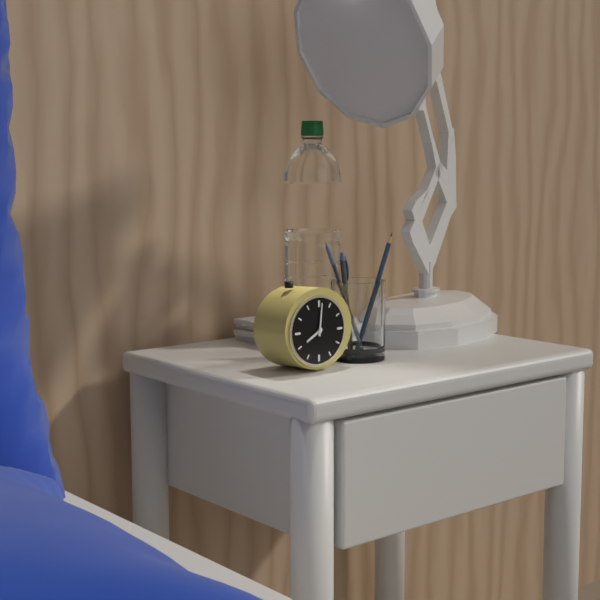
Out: {"hour": 8, "minute": 1}
